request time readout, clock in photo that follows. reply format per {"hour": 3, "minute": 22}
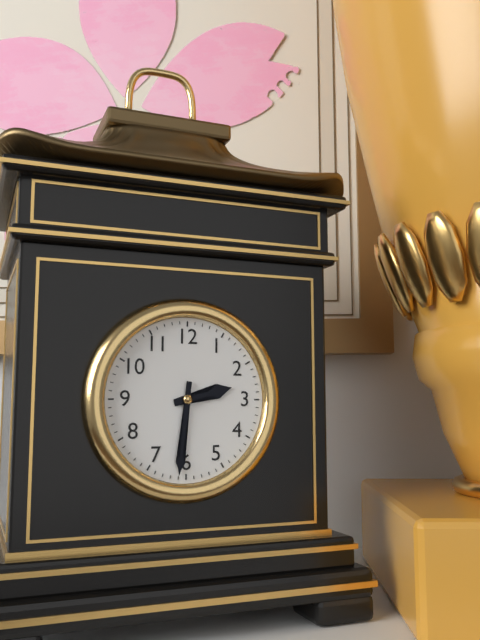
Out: {"hour": 2, "minute": 31}
